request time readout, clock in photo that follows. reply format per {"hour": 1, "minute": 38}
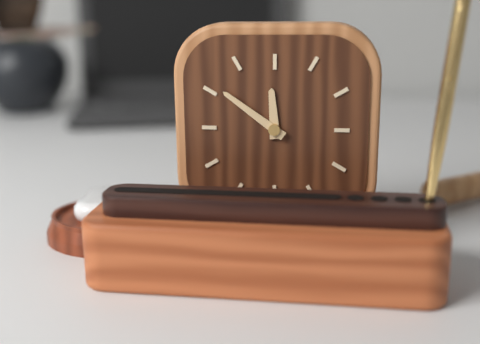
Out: {"hour": 11, "minute": 51}
